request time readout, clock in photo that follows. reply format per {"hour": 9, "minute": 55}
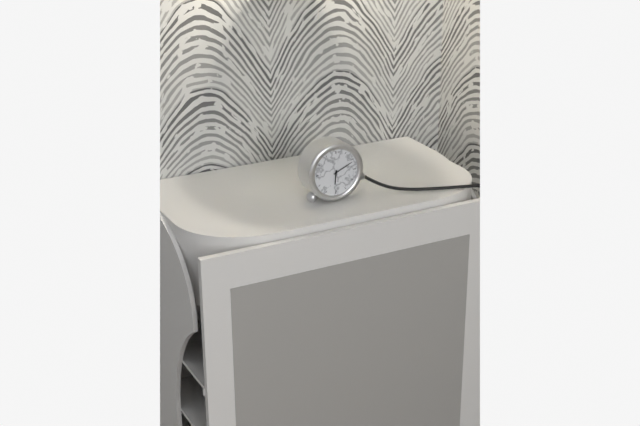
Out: {"hour": 6, "minute": 11}
